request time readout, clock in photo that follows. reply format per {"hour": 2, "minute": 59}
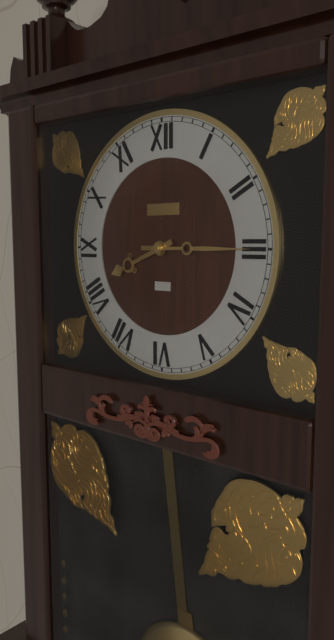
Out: {"hour": 8, "minute": 15}
